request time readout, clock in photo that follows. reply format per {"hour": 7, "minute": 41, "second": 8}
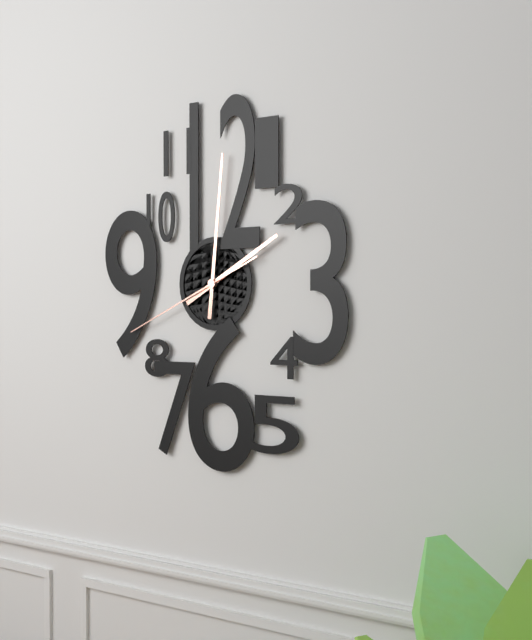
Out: {"hour": 2, "minute": 1, "second": 41}
